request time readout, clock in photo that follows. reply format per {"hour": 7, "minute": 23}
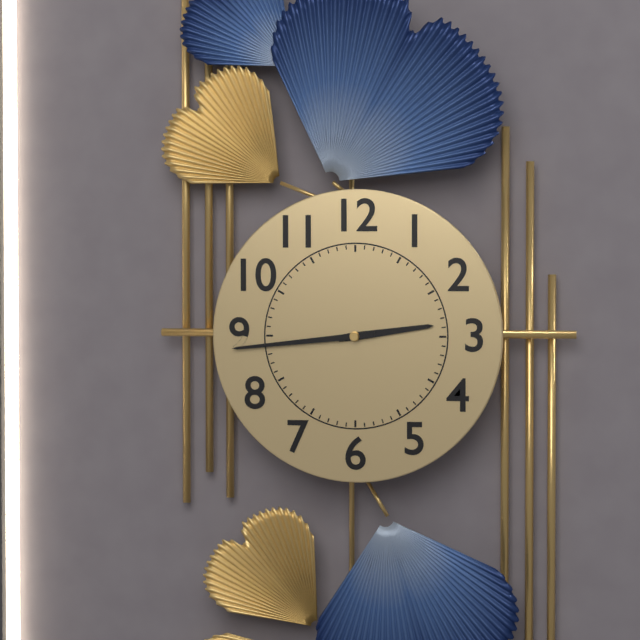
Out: {"hour": 2, "minute": 44}
